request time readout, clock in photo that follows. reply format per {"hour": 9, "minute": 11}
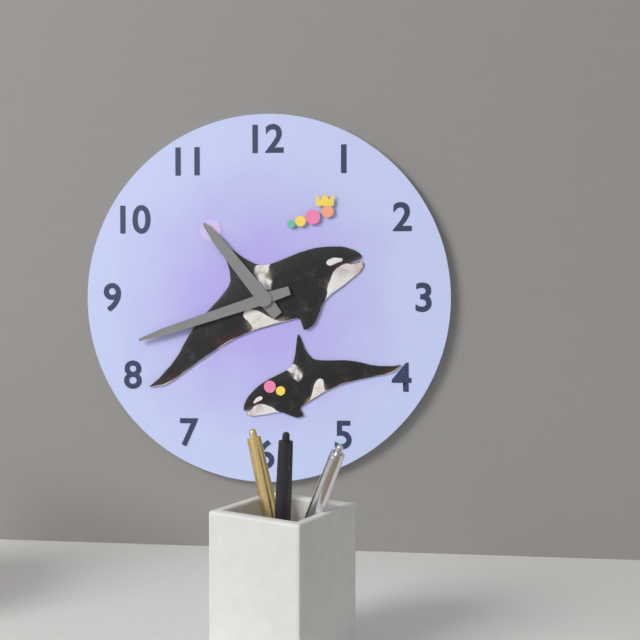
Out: {"hour": 10, "minute": 42}
